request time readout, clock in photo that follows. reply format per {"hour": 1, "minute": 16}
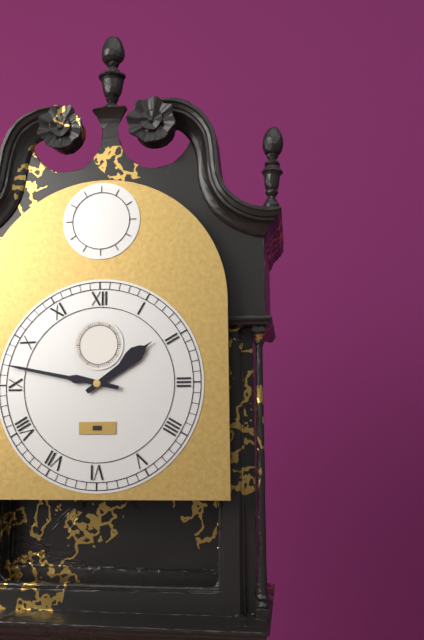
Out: {"hour": 1, "minute": 47}
